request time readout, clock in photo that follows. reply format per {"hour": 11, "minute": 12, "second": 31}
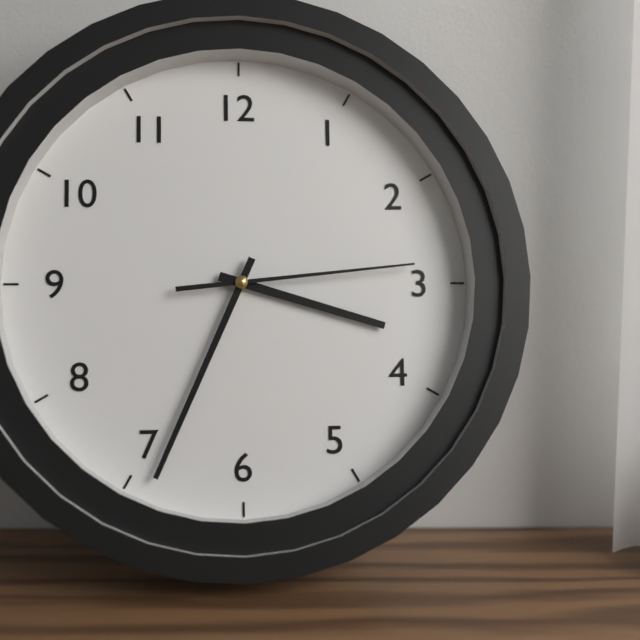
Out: {"hour": 3, "minute": 34, "second": 14}
